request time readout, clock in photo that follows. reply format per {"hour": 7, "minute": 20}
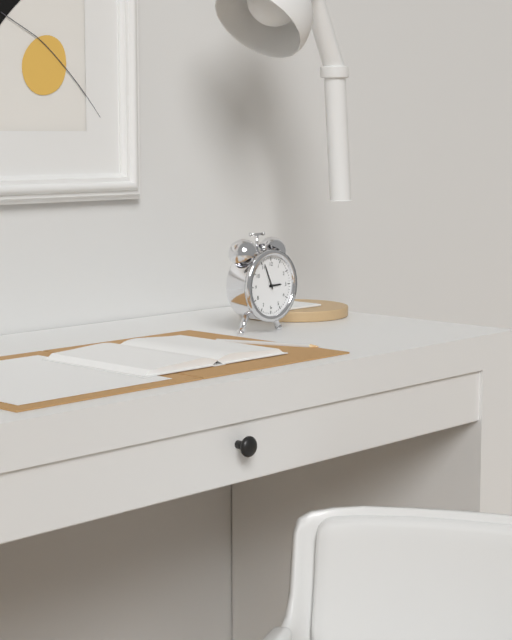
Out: {"hour": 2, "minute": 56}
